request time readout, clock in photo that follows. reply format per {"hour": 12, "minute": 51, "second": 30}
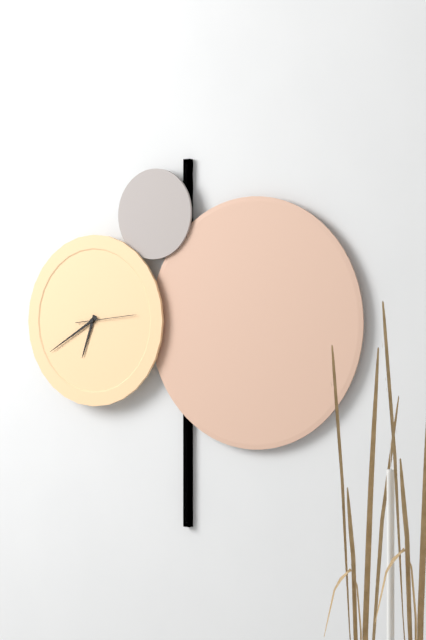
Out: {"hour": 6, "minute": 40, "second": 14}
